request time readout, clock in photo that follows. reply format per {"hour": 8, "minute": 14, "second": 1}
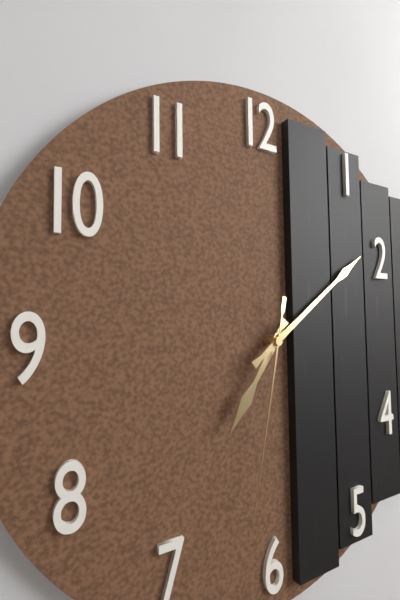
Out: {"hour": 7, "minute": 9, "second": 32}
